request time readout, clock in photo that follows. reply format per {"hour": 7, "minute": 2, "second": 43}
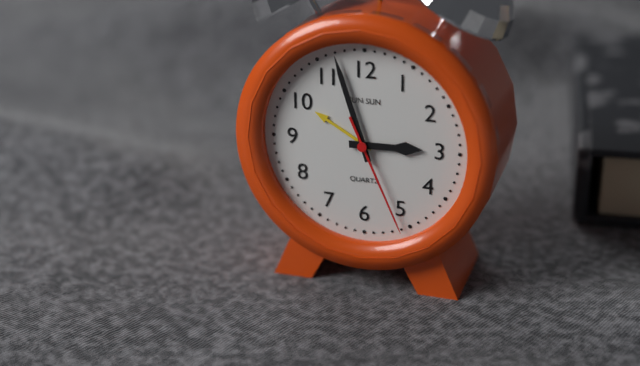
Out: {"hour": 2, "minute": 57, "second": 26}
